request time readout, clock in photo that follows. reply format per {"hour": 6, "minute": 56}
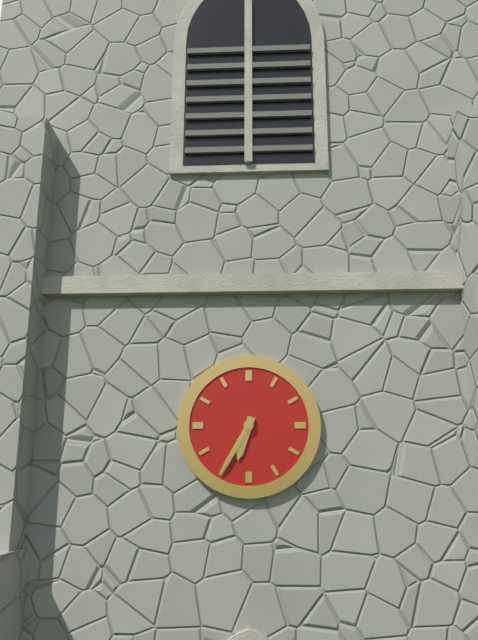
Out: {"hour": 6, "minute": 35}
